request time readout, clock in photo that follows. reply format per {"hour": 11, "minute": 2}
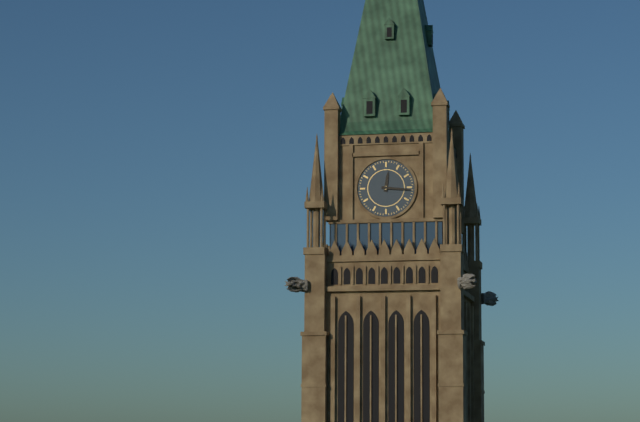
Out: {"hour": 12, "minute": 16}
